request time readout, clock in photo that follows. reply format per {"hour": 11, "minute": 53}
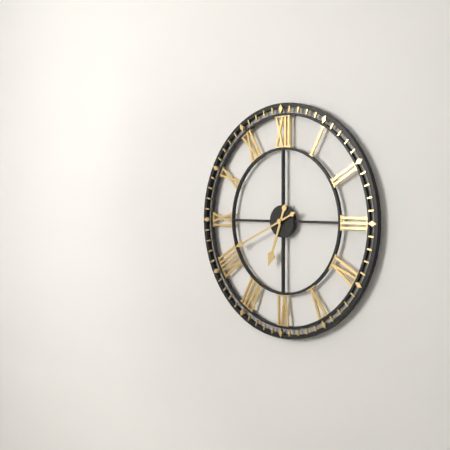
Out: {"hour": 6, "minute": 41}
